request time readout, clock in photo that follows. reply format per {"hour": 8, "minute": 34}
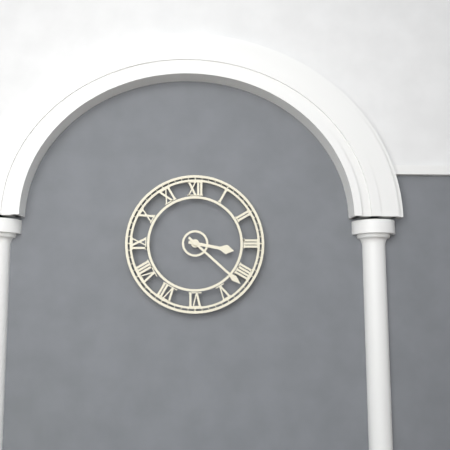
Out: {"hour": 3, "minute": 22}
